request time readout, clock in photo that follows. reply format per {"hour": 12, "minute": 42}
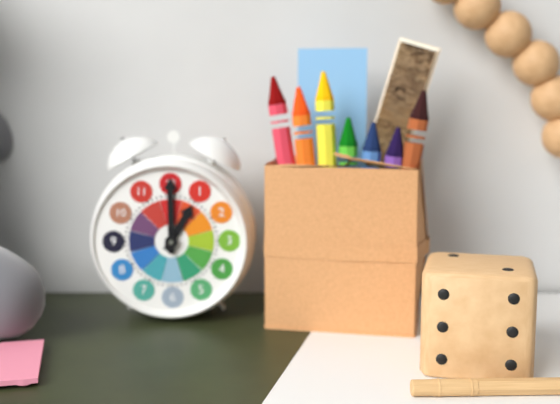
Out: {"hour": 1, "minute": 0}
